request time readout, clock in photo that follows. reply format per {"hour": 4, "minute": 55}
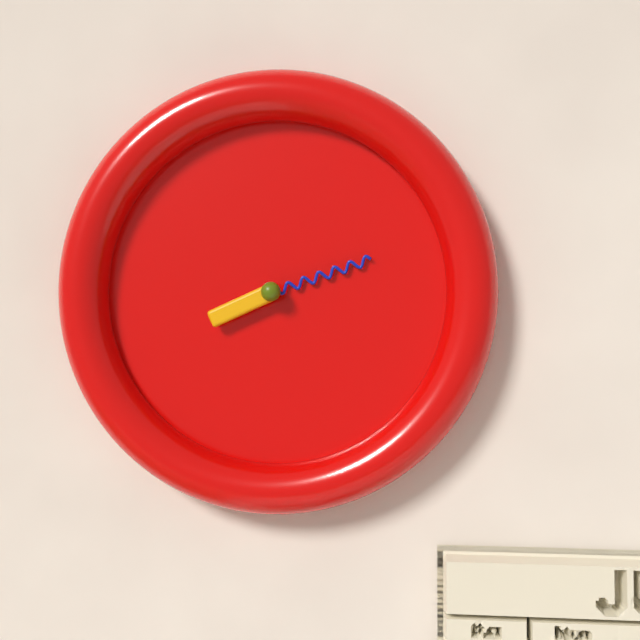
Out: {"hour": 8, "minute": 12}
